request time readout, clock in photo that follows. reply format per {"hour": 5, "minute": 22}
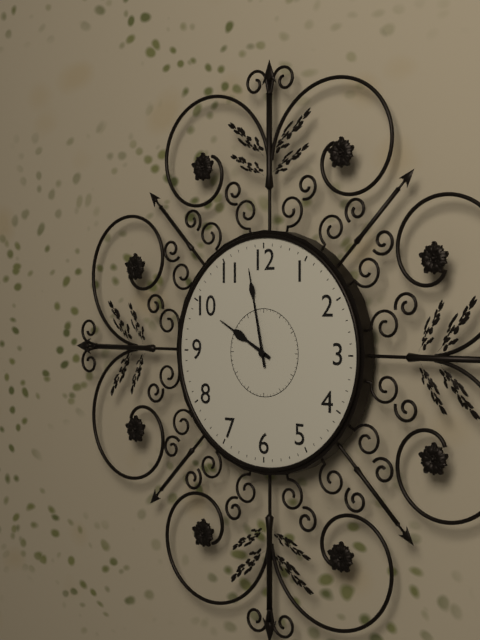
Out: {"hour": 9, "minute": 58}
